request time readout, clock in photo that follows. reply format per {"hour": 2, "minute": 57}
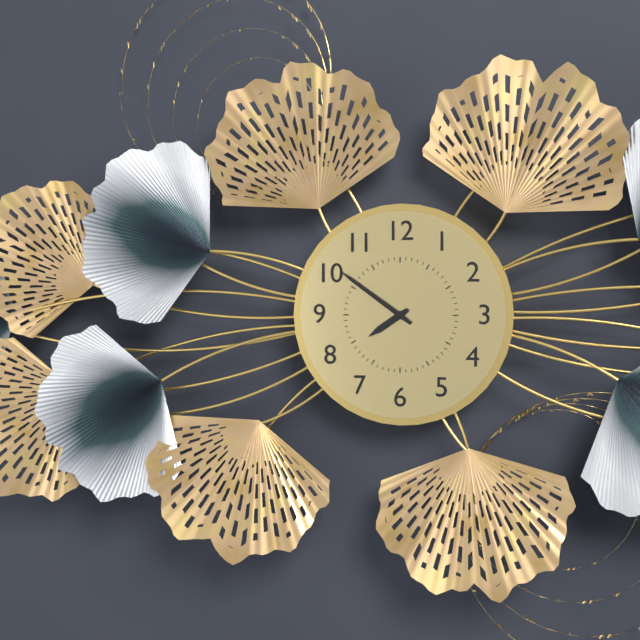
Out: {"hour": 7, "minute": 51}
